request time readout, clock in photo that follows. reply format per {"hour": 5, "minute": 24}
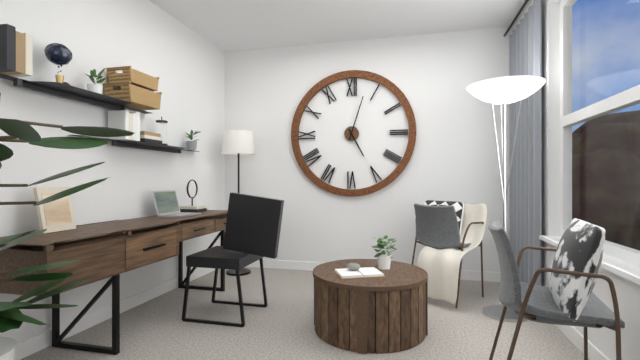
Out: {"hour": 5, "minute": 3}
